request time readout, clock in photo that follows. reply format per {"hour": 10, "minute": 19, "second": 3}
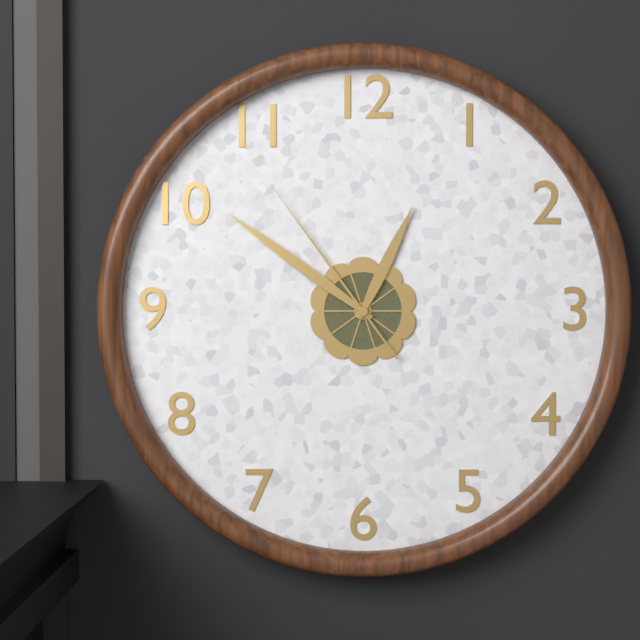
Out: {"hour": 12, "minute": 51, "second": 54}
